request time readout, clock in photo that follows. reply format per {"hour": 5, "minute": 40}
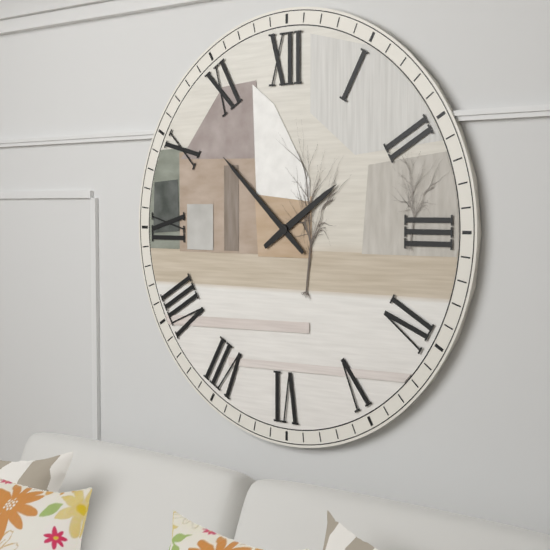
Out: {"hour": 1, "minute": 52}
